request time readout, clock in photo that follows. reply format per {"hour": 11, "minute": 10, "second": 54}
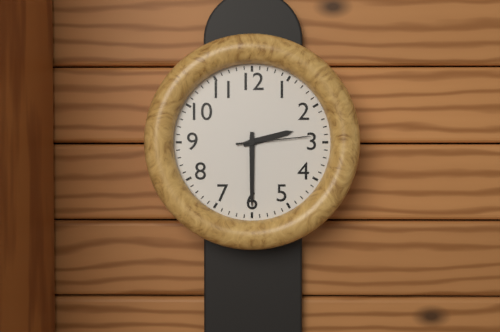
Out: {"hour": 2, "minute": 30, "second": 14}
